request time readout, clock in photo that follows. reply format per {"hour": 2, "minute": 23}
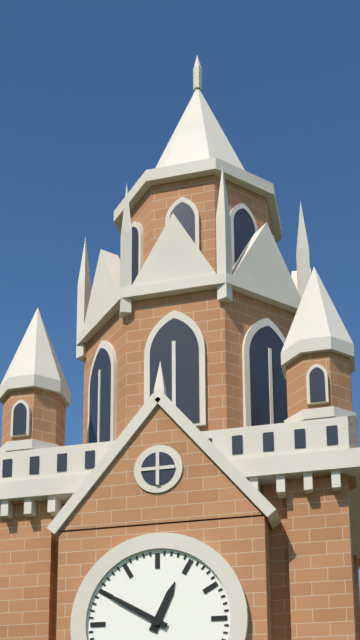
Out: {"hour": 12, "minute": 50}
